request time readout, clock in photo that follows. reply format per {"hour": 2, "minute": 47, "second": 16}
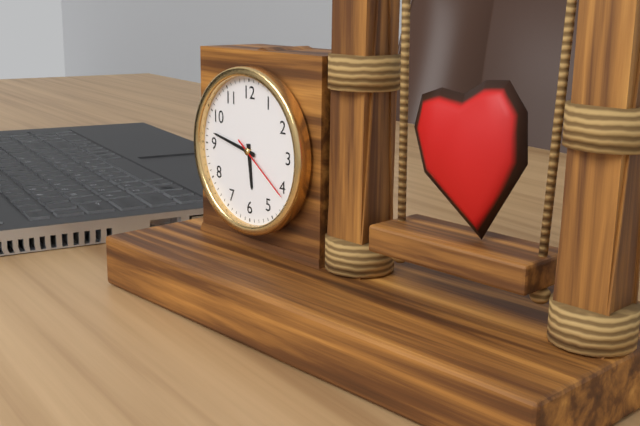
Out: {"hour": 5, "minute": 47, "second": 21}
